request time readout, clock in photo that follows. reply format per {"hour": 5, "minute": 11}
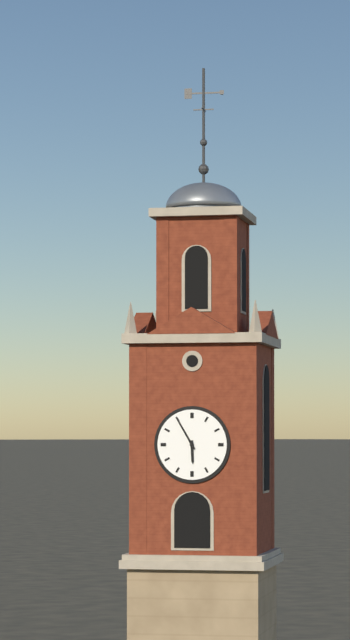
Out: {"hour": 5, "minute": 55}
